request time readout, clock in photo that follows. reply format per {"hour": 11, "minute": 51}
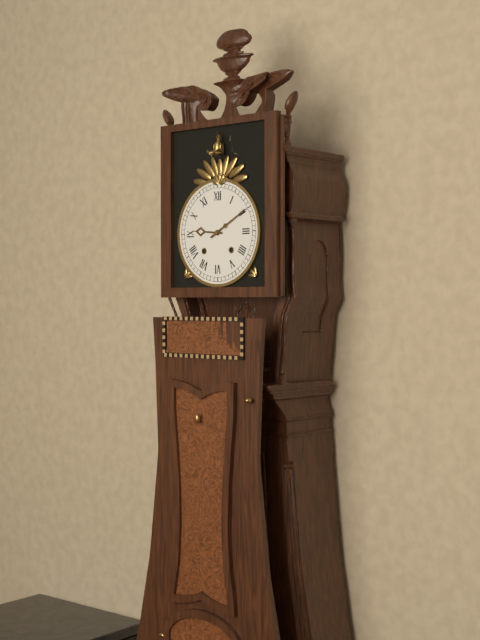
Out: {"hour": 9, "minute": 10}
